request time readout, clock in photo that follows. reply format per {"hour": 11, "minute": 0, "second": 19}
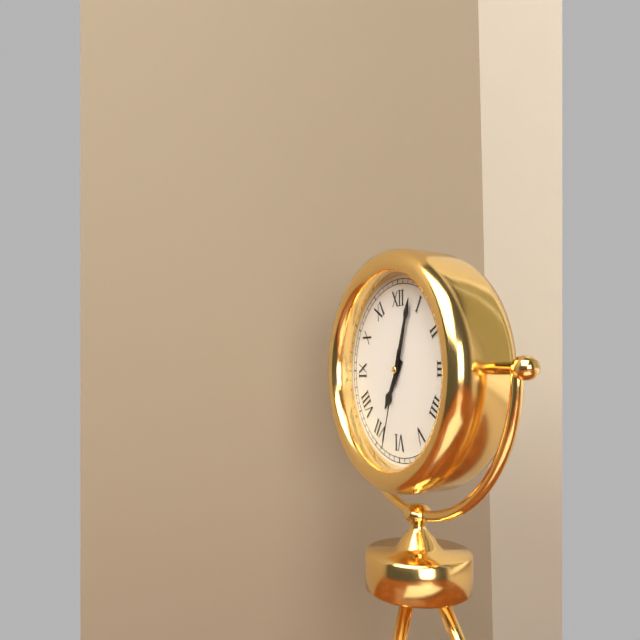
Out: {"hour": 7, "minute": 3, "second": 33}
